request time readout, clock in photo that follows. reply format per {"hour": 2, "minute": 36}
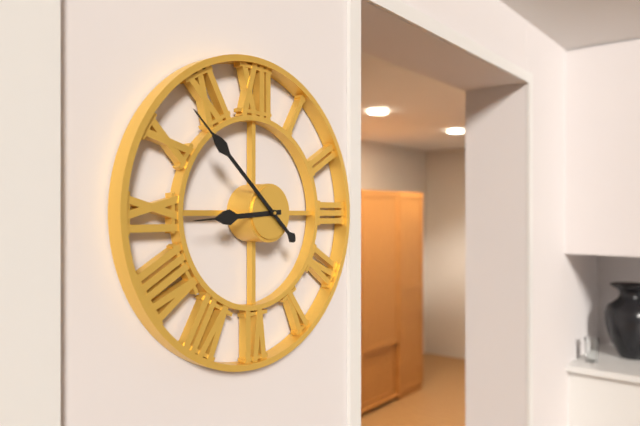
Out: {"hour": 8, "minute": 52}
